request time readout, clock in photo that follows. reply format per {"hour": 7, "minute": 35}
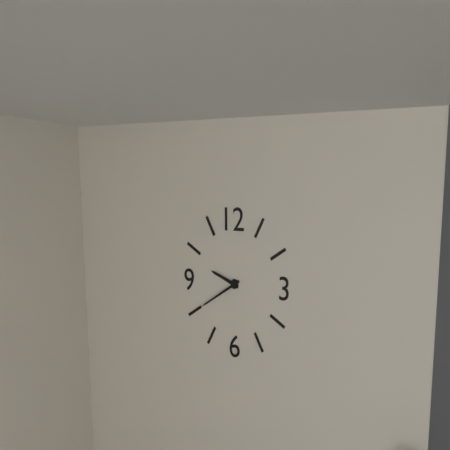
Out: {"hour": 9, "minute": 40}
